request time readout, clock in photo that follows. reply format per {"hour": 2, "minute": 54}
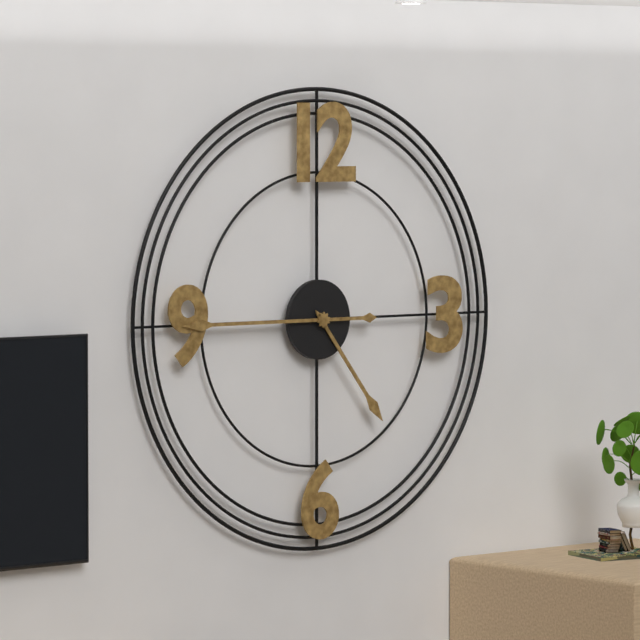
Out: {"hour": 4, "minute": 45}
